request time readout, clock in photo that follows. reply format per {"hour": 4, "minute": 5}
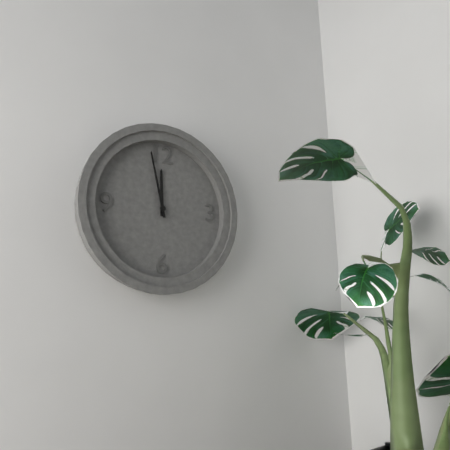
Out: {"hour": 11, "minute": 58}
